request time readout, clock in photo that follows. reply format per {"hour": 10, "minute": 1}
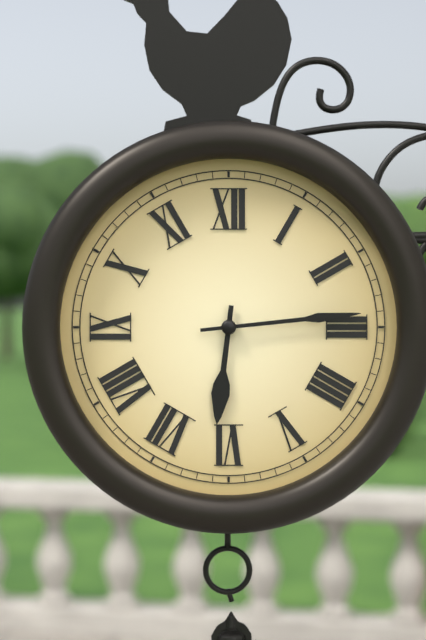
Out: {"hour": 6, "minute": 14}
